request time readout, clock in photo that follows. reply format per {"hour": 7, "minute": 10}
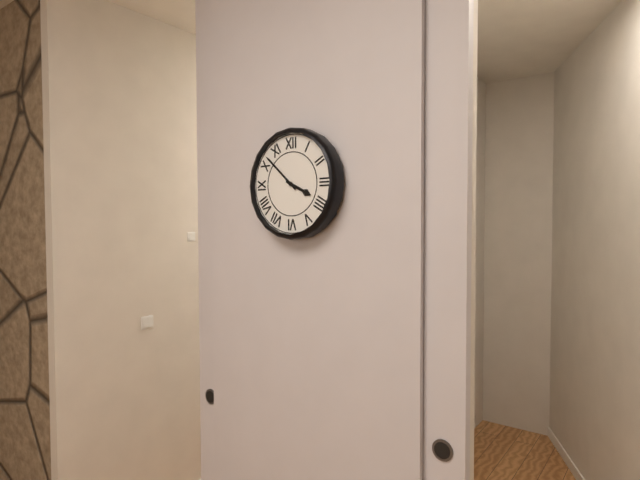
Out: {"hour": 3, "minute": 52}
